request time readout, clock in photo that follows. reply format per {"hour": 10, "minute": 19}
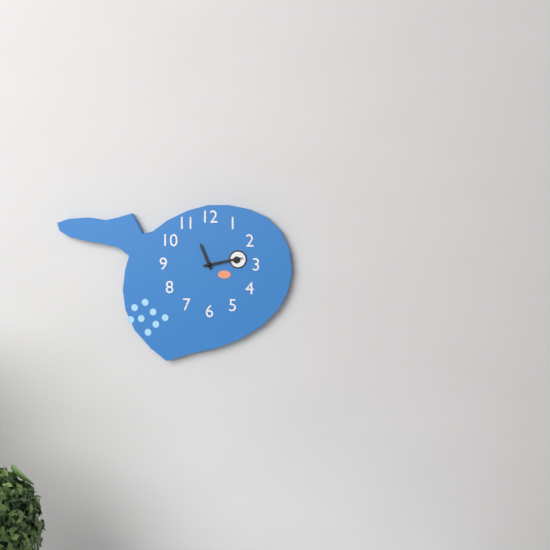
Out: {"hour": 11, "minute": 13}
